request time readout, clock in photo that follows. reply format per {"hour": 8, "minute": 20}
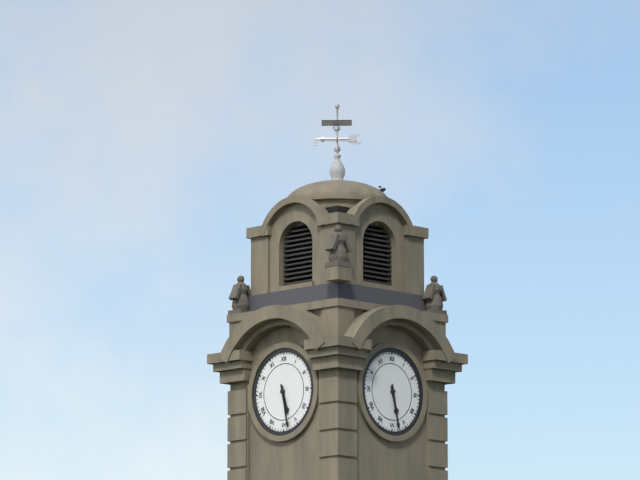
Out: {"hour": 5, "minute": 28}
